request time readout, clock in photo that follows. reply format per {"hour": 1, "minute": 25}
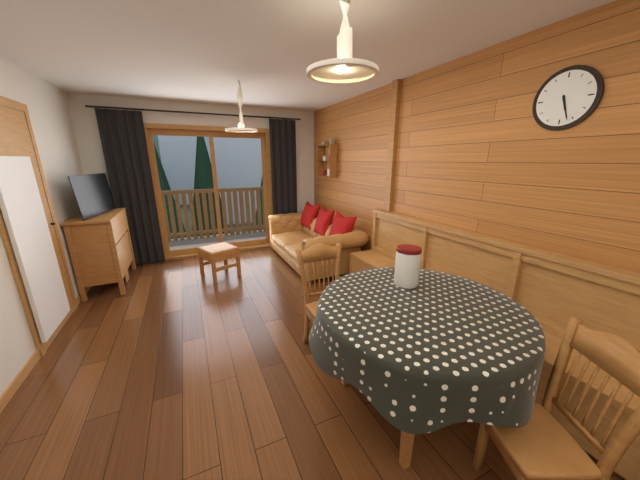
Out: {"hour": 5, "minute": 27}
